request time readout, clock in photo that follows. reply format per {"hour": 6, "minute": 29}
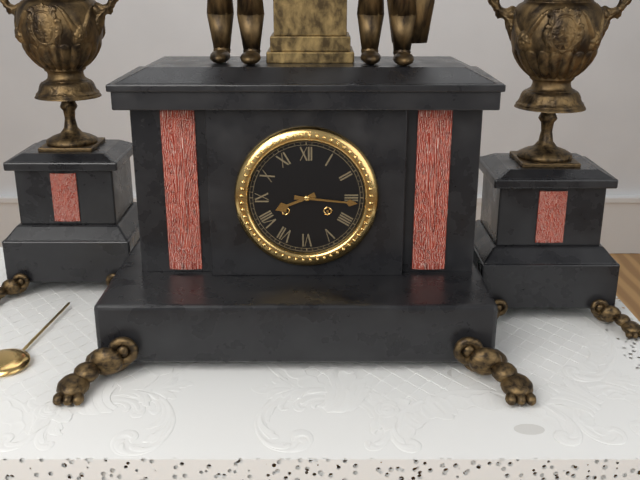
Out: {"hour": 8, "minute": 16}
